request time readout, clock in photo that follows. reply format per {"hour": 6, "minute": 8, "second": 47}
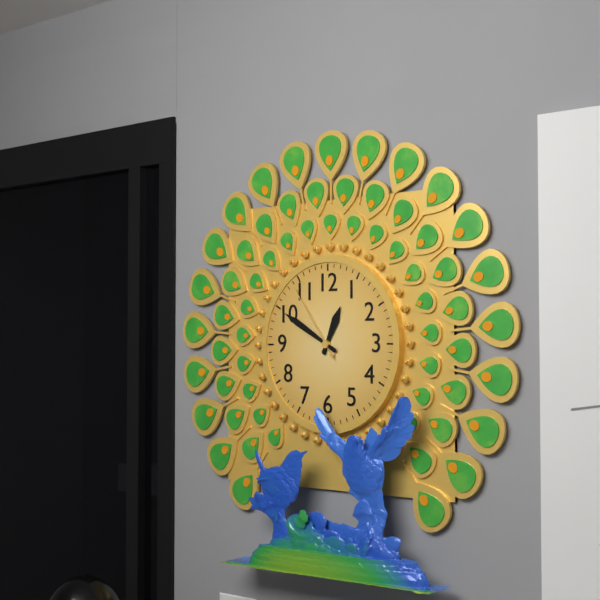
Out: {"hour": 12, "minute": 50, "second": 54}
